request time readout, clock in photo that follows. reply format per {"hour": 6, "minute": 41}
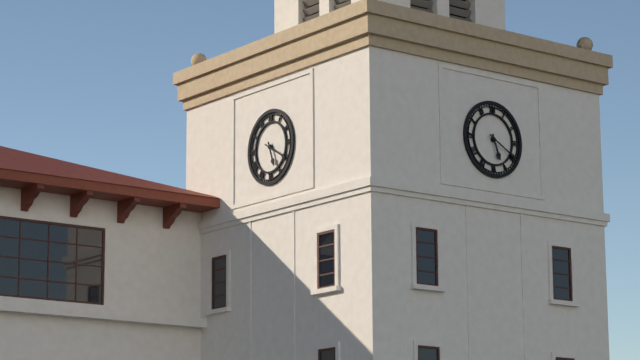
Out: {"hour": 5, "minute": 20}
